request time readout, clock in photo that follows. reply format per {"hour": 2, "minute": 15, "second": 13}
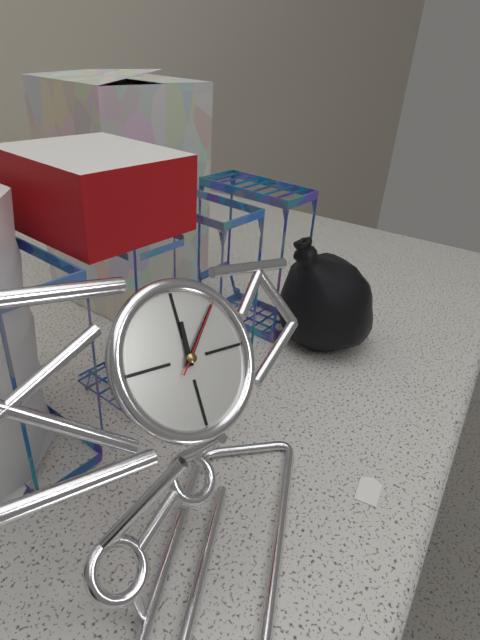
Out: {"hour": 12, "minute": 7, "second": 7}
